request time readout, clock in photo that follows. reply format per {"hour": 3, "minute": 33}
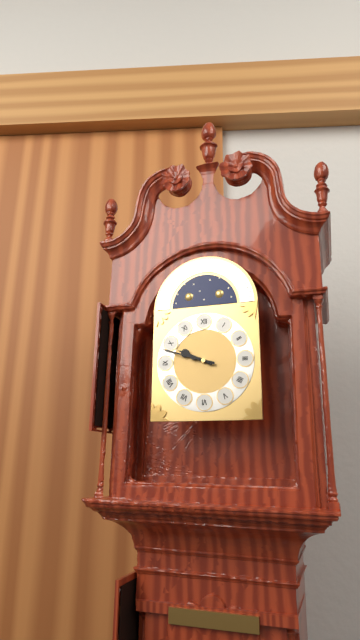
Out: {"hour": 9, "minute": 48}
